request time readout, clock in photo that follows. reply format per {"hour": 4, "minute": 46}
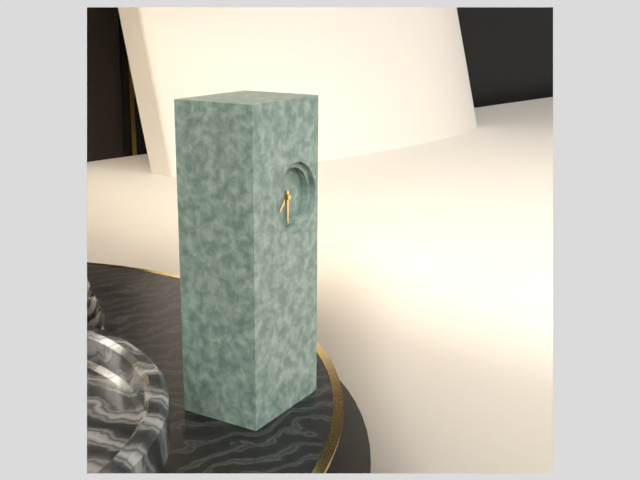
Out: {"hour": 7, "minute": 30}
